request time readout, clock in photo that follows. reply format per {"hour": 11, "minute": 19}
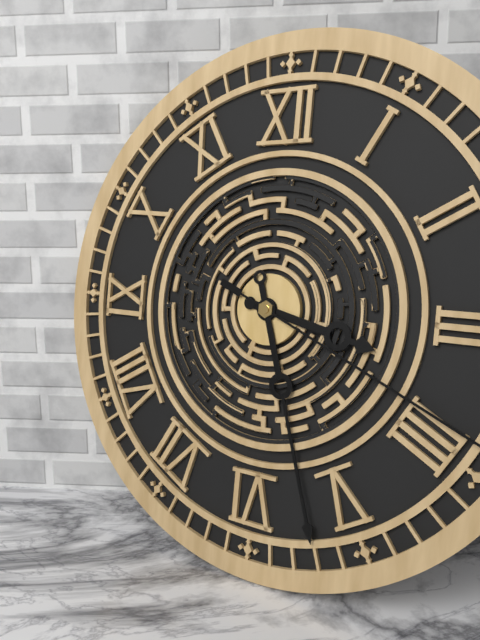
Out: {"hour": 3, "minute": 27}
